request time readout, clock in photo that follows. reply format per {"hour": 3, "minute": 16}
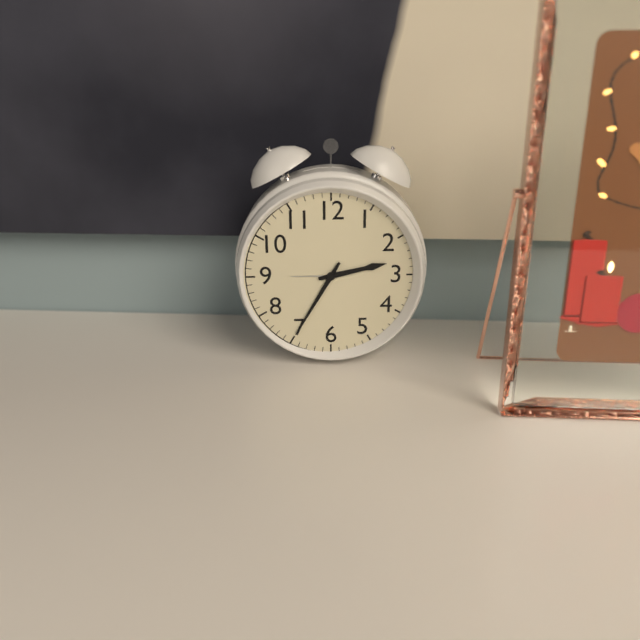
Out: {"hour": 2, "minute": 35}
